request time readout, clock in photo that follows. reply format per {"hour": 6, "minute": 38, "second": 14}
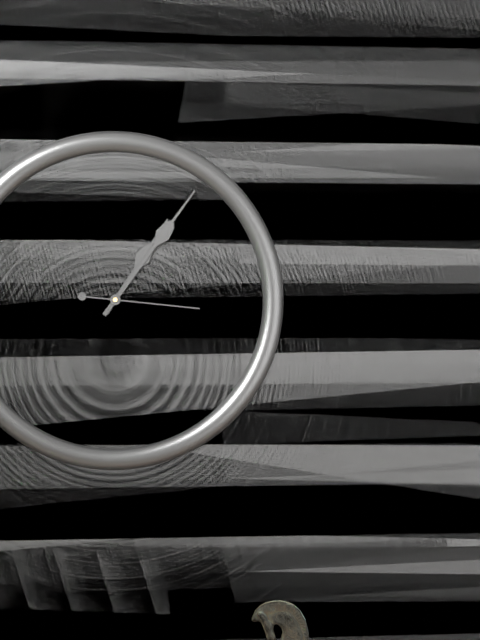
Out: {"hour": 1, "minute": 6, "second": 16}
